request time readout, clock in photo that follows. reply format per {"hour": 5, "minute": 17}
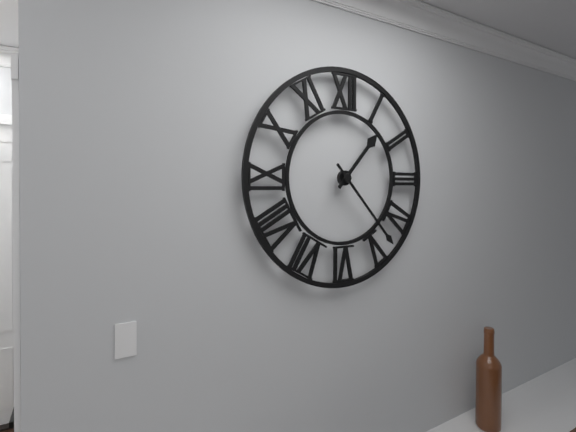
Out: {"hour": 1, "minute": 23}
